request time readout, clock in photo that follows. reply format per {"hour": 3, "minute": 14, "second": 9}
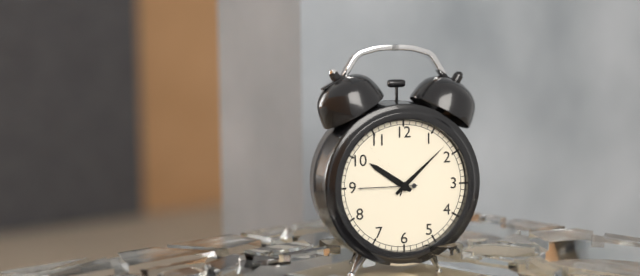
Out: {"hour": 10, "minute": 8, "second": 45}
